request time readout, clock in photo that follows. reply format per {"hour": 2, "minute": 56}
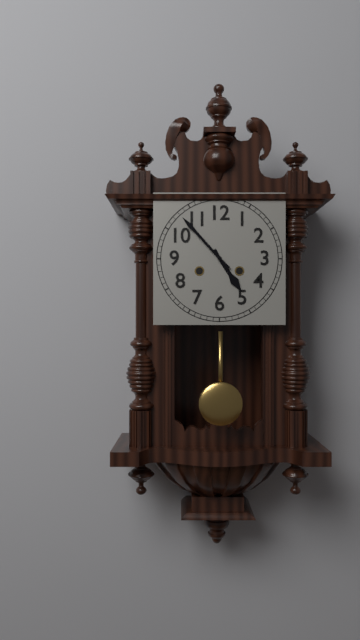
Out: {"hour": 4, "minute": 53}
